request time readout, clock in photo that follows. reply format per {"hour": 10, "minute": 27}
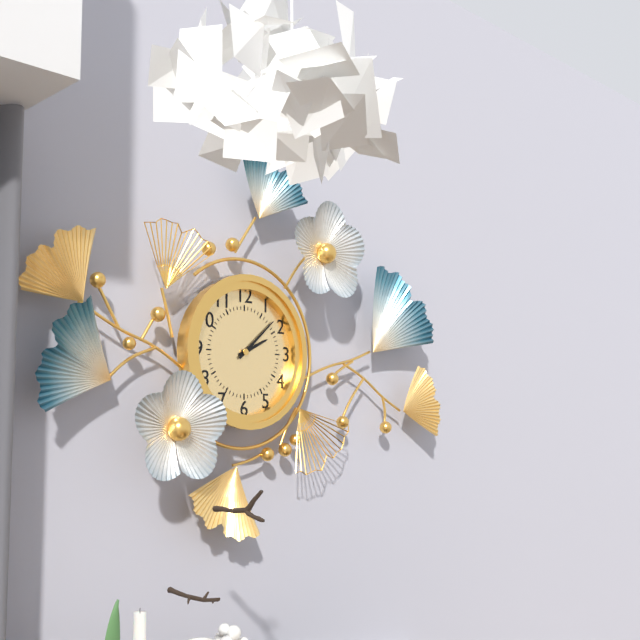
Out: {"hour": 2, "minute": 8}
